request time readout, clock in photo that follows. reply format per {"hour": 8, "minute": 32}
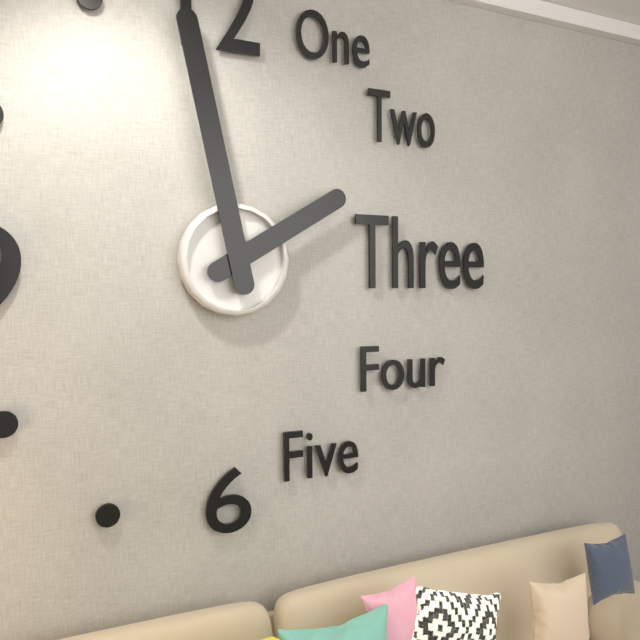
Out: {"hour": 1, "minute": 58}
